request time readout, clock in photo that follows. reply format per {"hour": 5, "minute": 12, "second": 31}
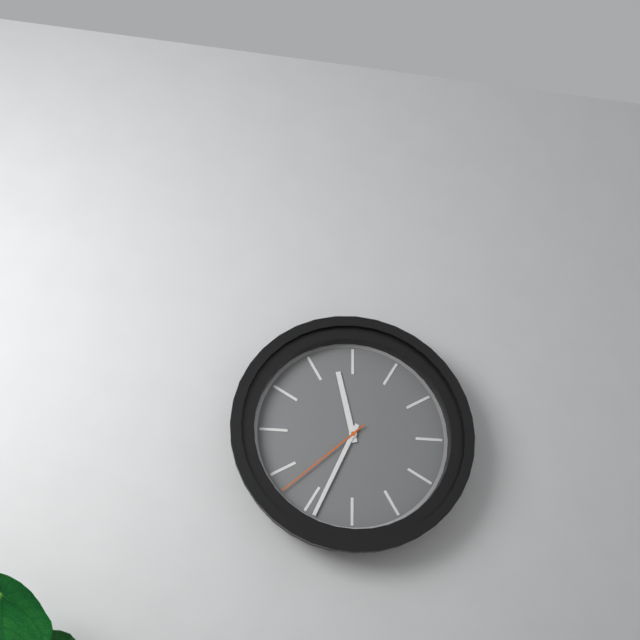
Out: {"hour": 11, "minute": 34, "second": 38}
